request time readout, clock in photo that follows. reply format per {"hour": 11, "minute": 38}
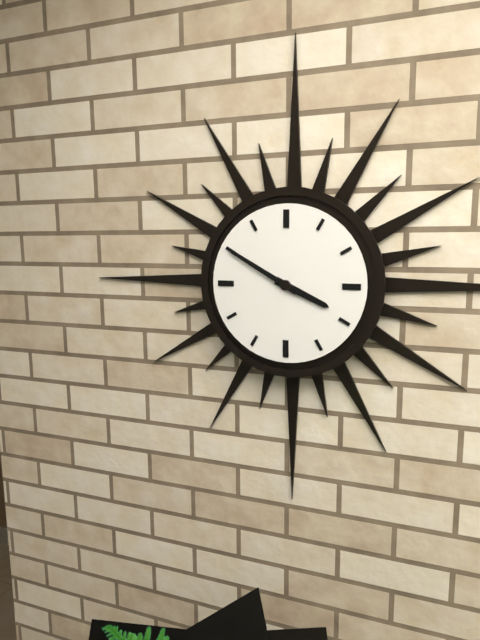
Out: {"hour": 3, "minute": 50}
